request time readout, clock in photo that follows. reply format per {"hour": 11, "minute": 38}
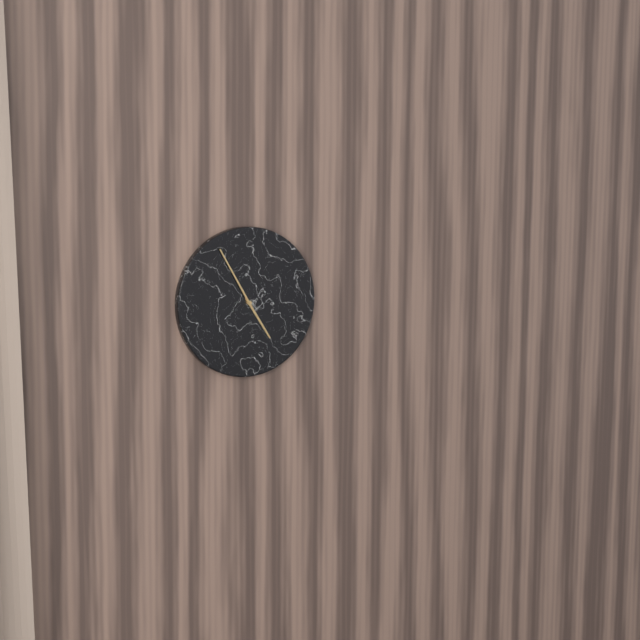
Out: {"hour": 4, "minute": 55}
